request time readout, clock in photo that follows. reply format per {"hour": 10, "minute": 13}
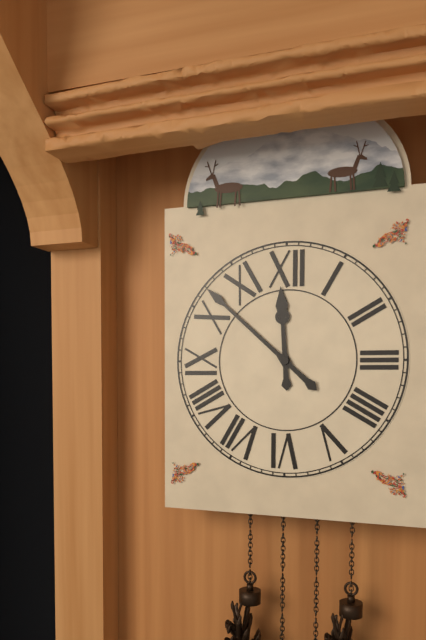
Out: {"hour": 11, "minute": 52}
